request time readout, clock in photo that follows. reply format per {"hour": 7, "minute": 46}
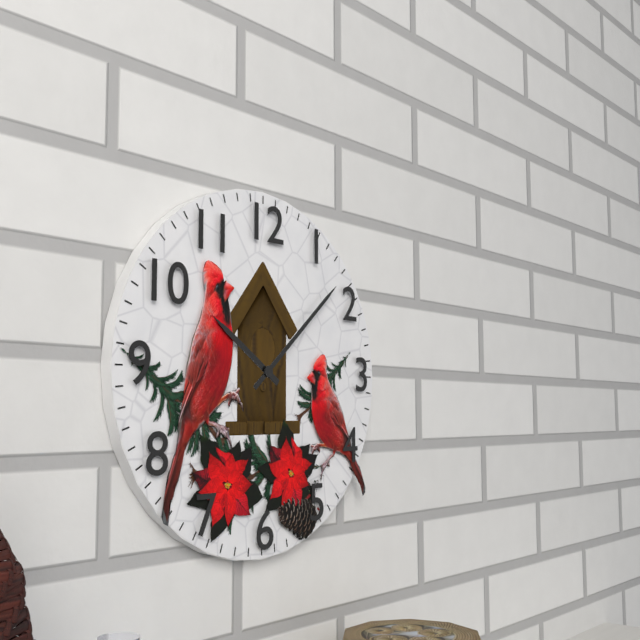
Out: {"hour": 10, "minute": 8}
